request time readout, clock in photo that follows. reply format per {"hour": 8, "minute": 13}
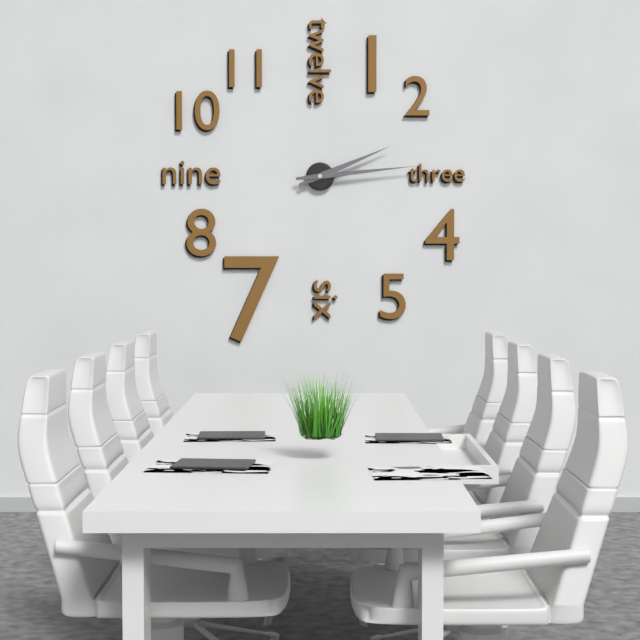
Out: {"hour": 2, "minute": 14}
